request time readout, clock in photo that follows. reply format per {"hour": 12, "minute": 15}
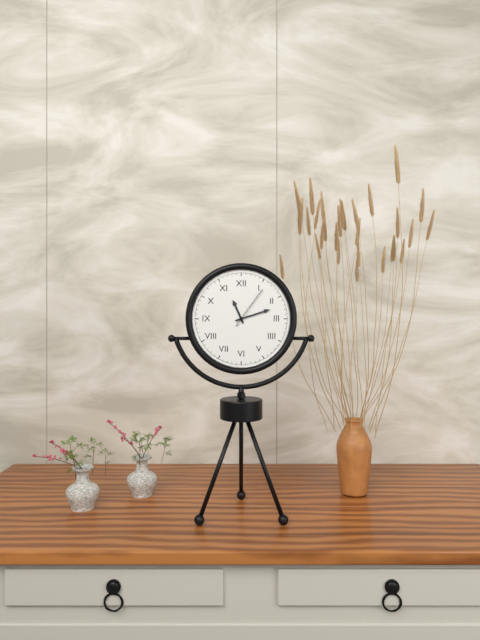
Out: {"hour": 11, "minute": 12}
